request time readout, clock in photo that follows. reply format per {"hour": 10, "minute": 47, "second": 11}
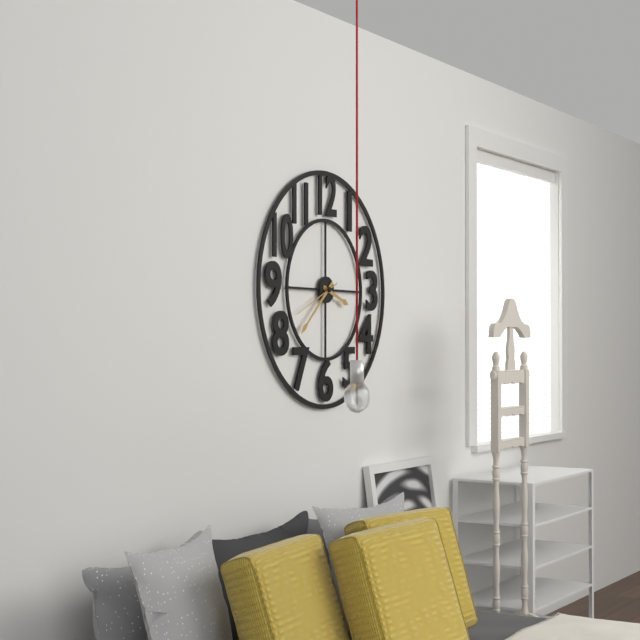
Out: {"hour": 3, "minute": 38, "second": 41}
